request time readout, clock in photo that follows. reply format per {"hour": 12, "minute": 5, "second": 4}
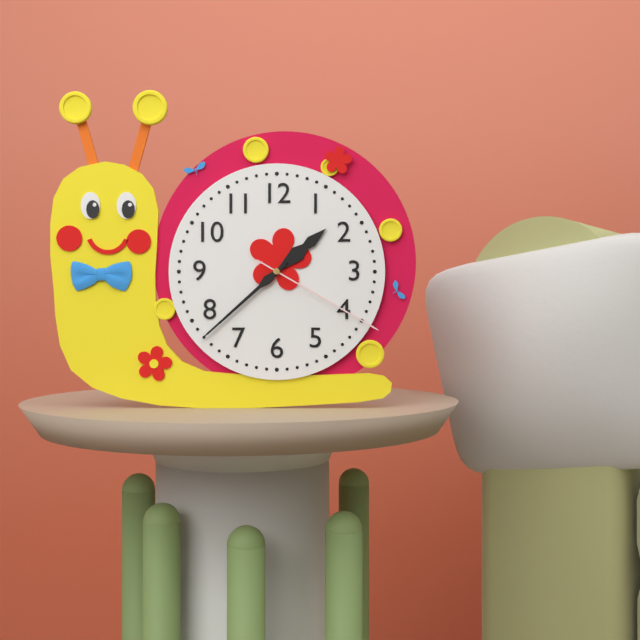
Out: {"hour": 1, "minute": 38, "second": 20}
